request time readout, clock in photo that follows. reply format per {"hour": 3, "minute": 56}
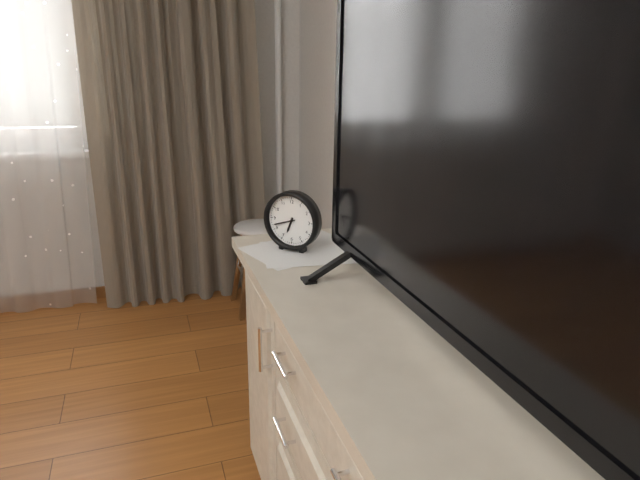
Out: {"hour": 6, "minute": 42}
